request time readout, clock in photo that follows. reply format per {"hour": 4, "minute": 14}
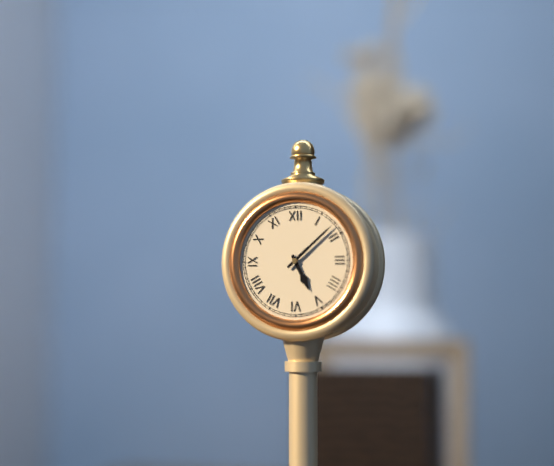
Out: {"hour": 5, "minute": 8}
